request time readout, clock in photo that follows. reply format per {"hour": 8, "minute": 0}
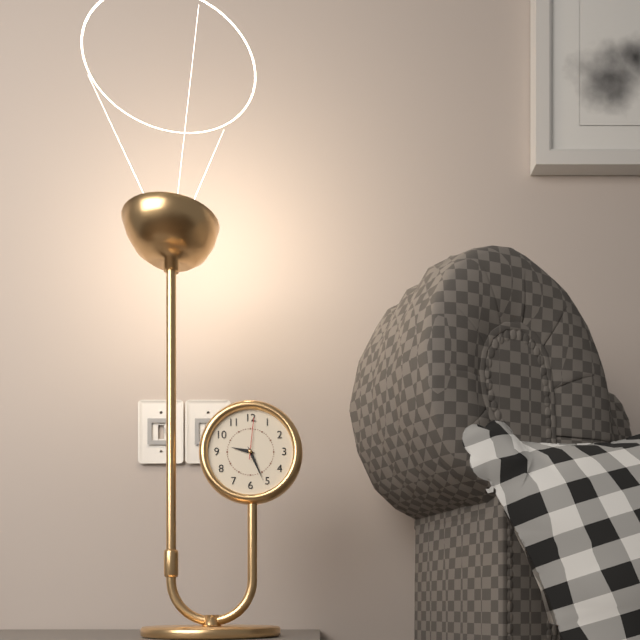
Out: {"hour": 9, "minute": 26}
